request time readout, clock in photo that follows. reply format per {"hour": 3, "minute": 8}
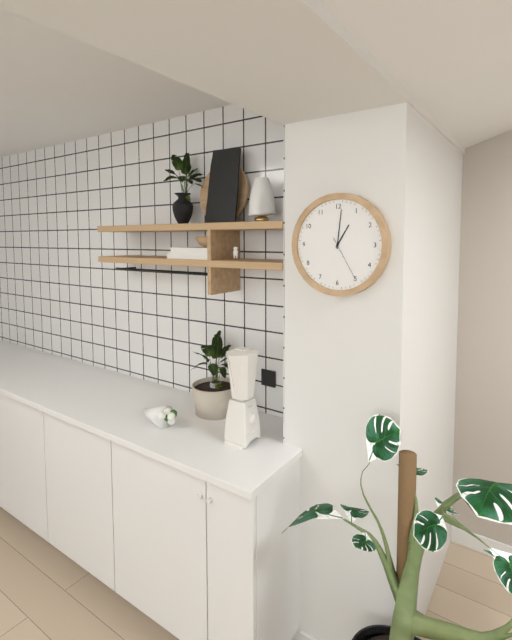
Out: {"hour": 1, "minute": 1}
